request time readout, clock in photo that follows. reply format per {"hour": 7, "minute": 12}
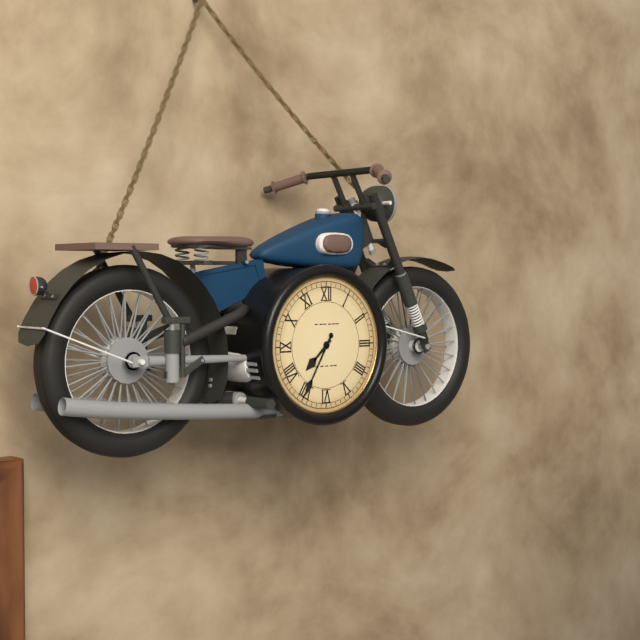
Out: {"hour": 7, "minute": 35}
